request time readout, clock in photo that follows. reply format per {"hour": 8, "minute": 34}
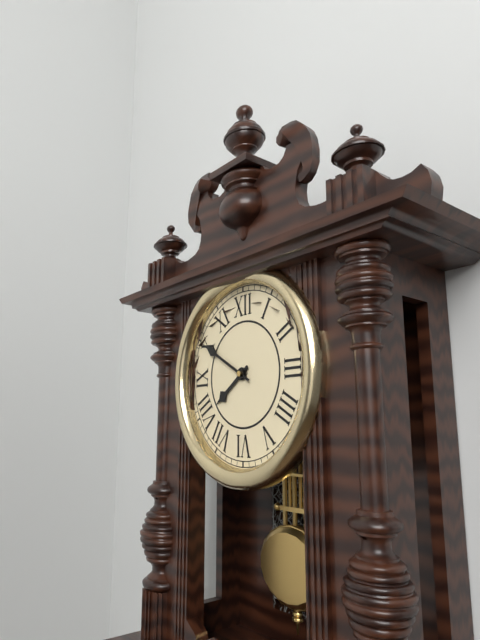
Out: {"hour": 7, "minute": 50}
